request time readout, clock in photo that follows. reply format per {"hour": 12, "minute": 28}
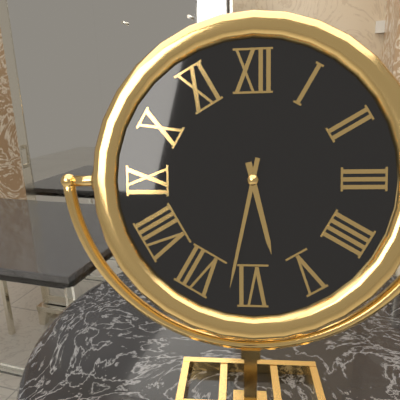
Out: {"hour": 5, "minute": 32}
